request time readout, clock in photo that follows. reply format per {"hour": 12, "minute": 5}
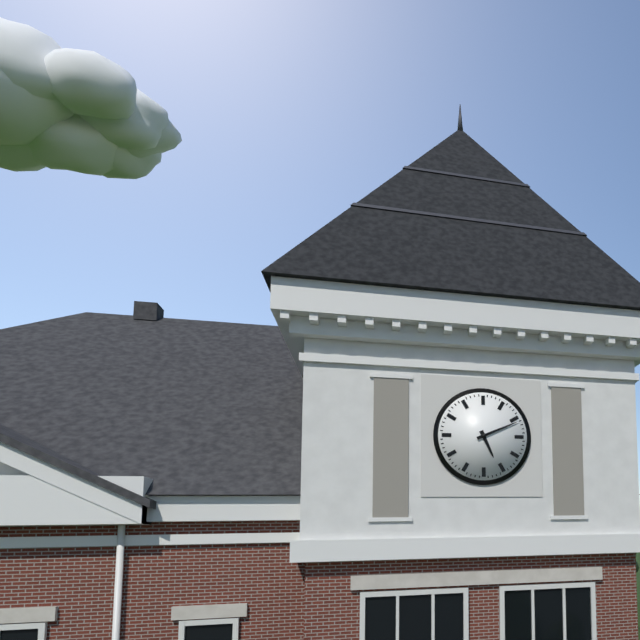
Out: {"hour": 5, "minute": 11}
